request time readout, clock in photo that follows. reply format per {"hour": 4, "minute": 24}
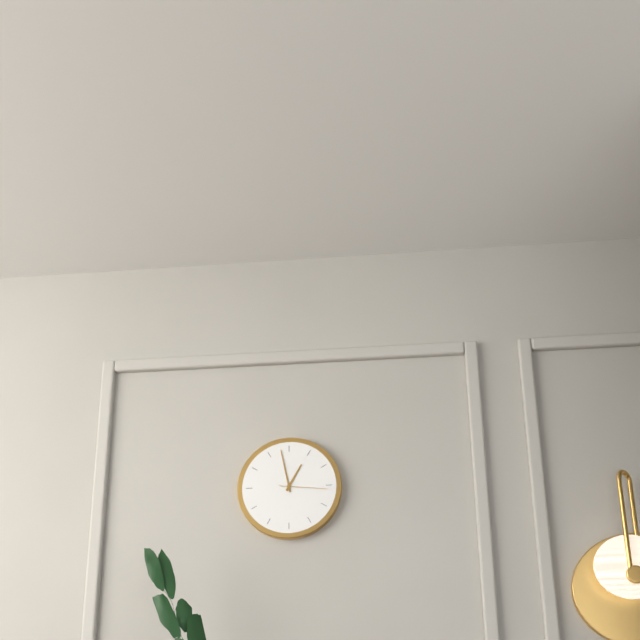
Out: {"hour": 12, "minute": 58}
